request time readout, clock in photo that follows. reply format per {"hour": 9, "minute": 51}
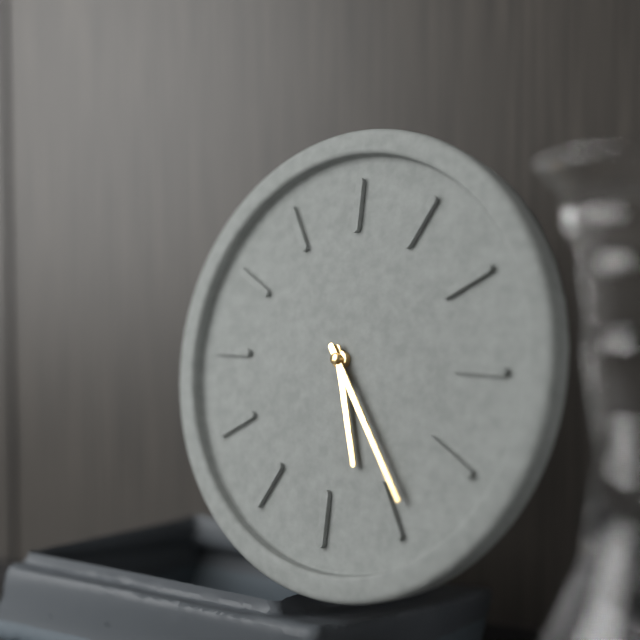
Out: {"hour": 5, "minute": 24}
